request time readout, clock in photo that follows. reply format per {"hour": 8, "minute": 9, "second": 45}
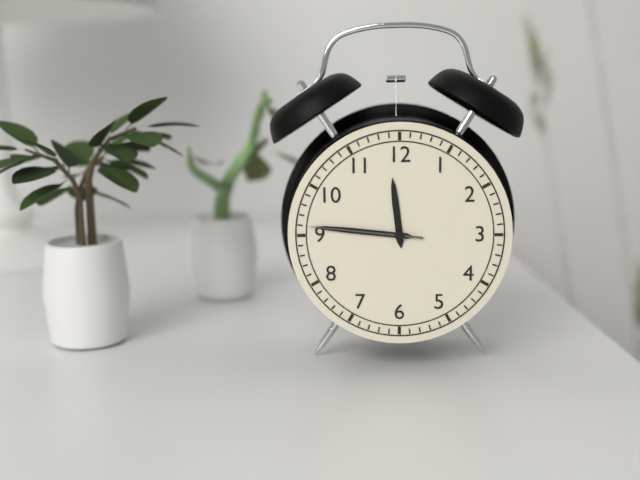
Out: {"hour": 11, "minute": 46, "second": 46}
